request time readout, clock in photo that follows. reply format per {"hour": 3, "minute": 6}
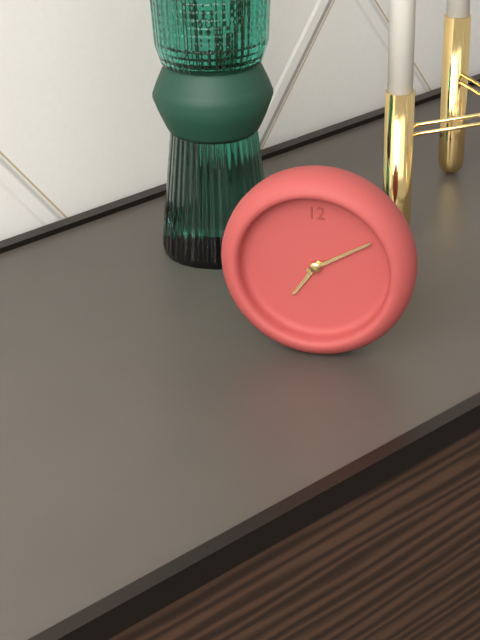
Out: {"hour": 7, "minute": 10}
